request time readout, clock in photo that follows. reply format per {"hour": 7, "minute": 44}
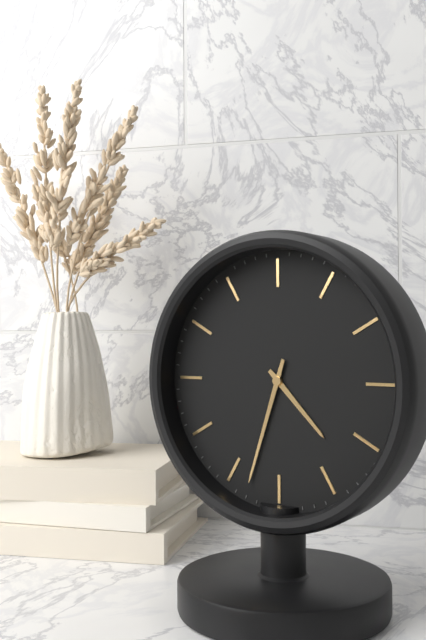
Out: {"hour": 4, "minute": 33}
